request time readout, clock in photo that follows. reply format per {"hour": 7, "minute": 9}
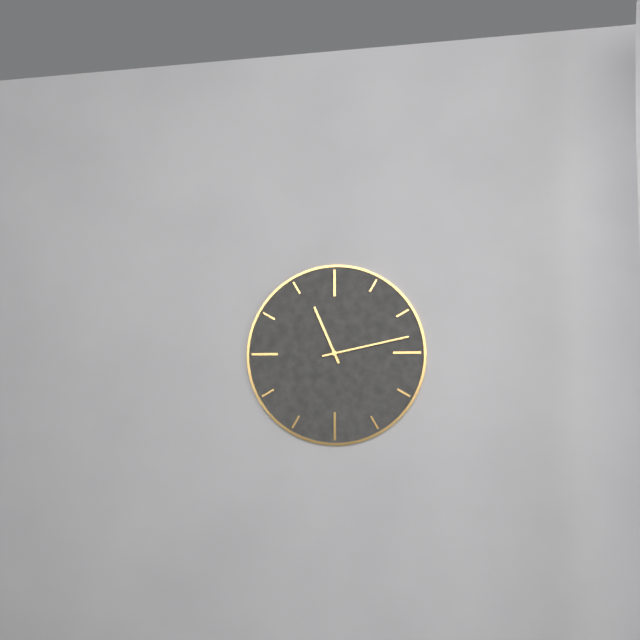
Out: {"hour": 11, "minute": 13}
